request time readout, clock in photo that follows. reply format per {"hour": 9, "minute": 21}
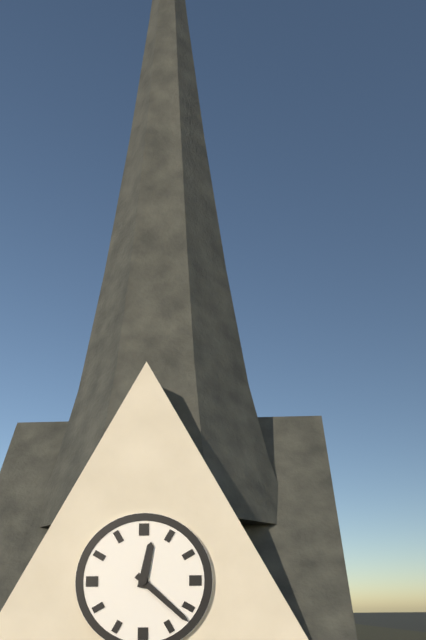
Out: {"hour": 12, "minute": 22}
